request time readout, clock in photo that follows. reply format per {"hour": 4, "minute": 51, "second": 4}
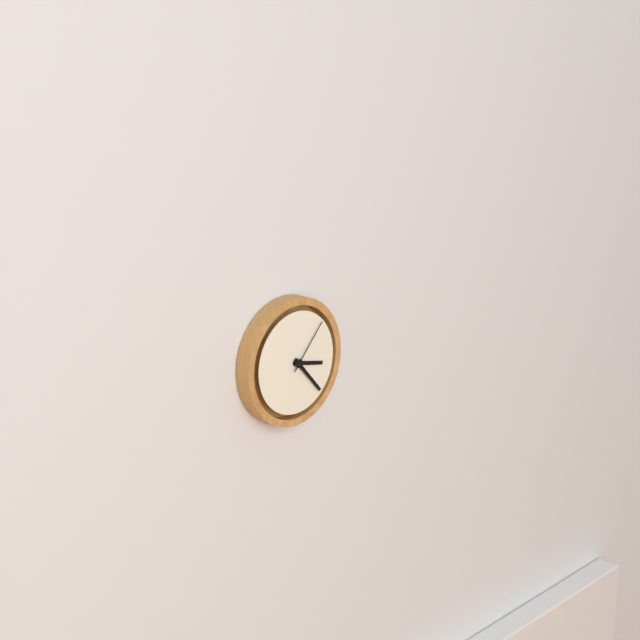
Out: {"hour": 3, "minute": 23, "second": 7}
